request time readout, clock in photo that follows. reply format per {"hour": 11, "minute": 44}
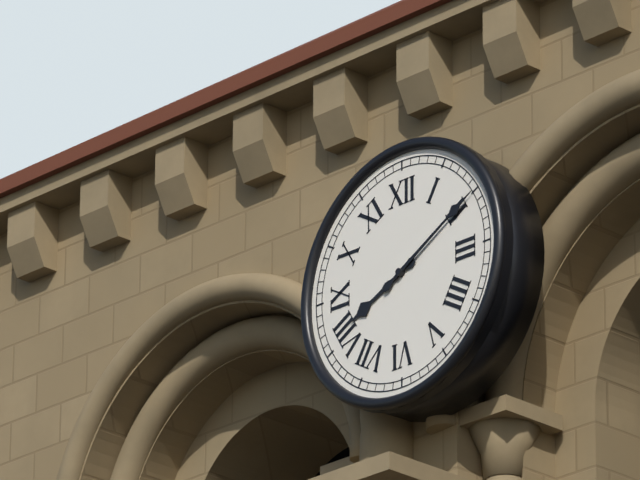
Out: {"hour": 8, "minute": 10}
